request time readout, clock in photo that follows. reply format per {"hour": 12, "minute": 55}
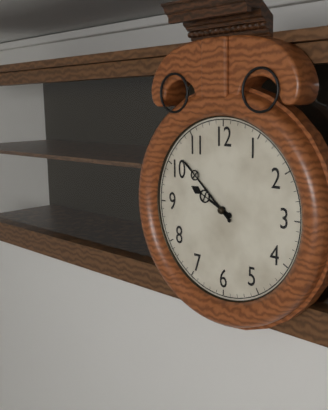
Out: {"hour": 9, "minute": 52}
